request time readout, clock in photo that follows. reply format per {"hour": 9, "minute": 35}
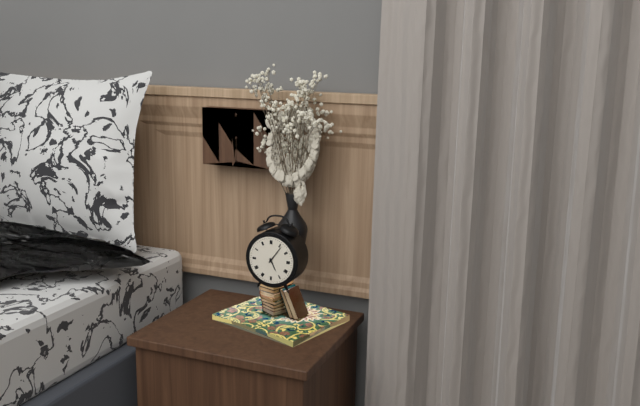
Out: {"hour": 5, "minute": 6}
